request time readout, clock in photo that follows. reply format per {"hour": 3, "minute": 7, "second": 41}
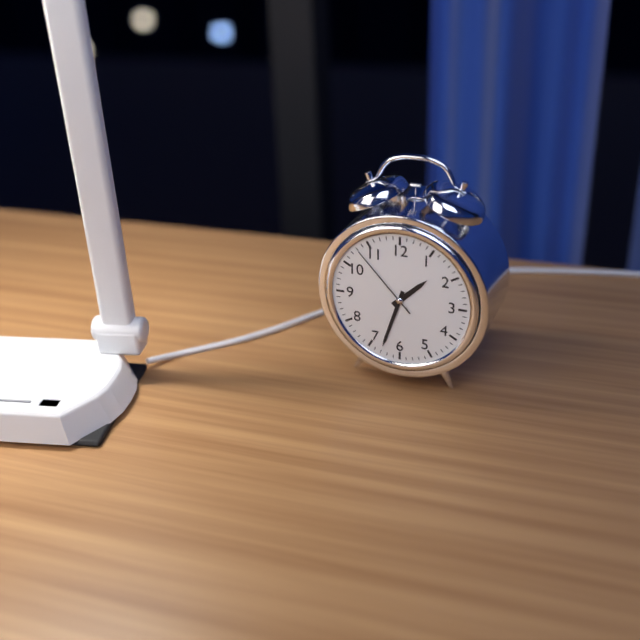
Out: {"hour": 1, "minute": 33, "second": 53}
